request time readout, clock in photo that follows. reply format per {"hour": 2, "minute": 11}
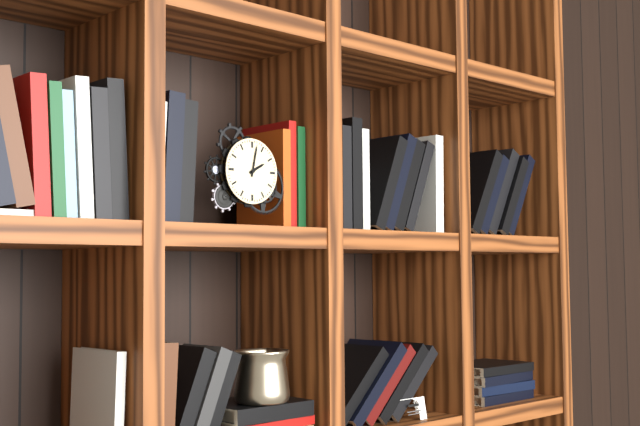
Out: {"hour": 2, "minute": 2}
